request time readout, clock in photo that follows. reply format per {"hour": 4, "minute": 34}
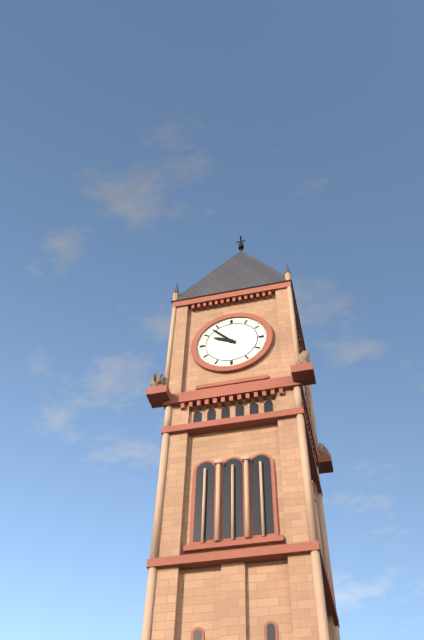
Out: {"hour": 9, "minute": 53}
